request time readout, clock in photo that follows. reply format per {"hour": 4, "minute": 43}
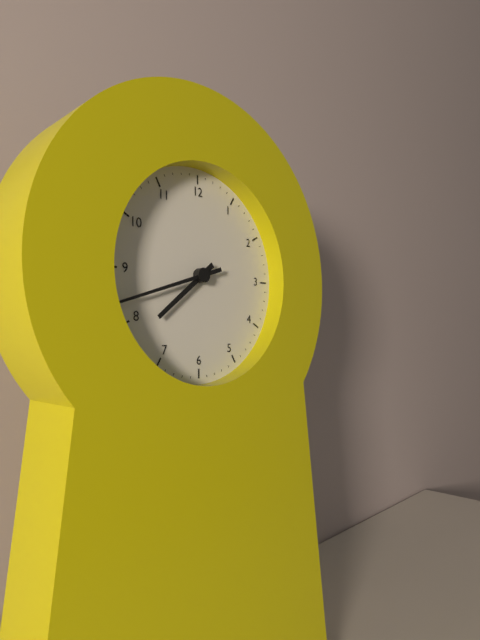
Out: {"hour": 7, "minute": 42}
